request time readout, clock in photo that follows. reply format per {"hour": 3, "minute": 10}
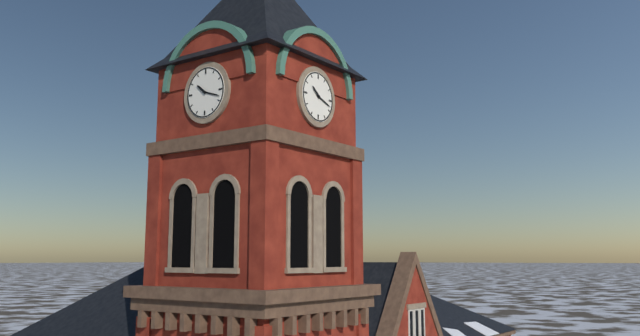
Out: {"hour": 10, "minute": 18}
